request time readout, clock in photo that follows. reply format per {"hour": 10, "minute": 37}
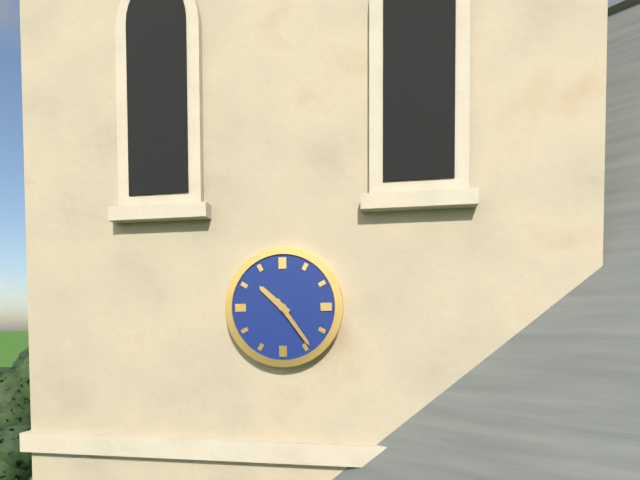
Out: {"hour": 10, "minute": 24}
